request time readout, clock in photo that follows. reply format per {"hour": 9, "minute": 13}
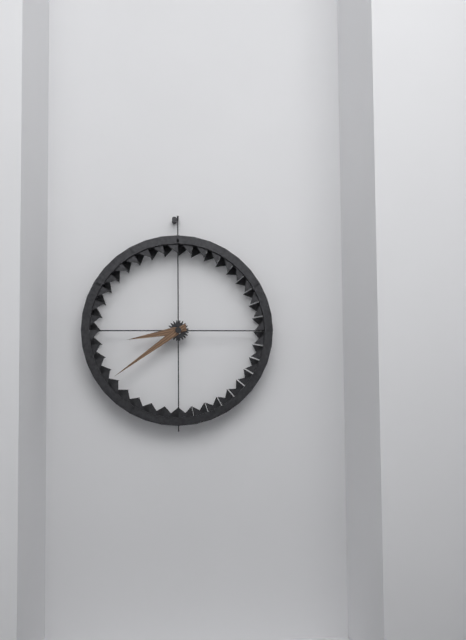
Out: {"hour": 8, "minute": 39}
